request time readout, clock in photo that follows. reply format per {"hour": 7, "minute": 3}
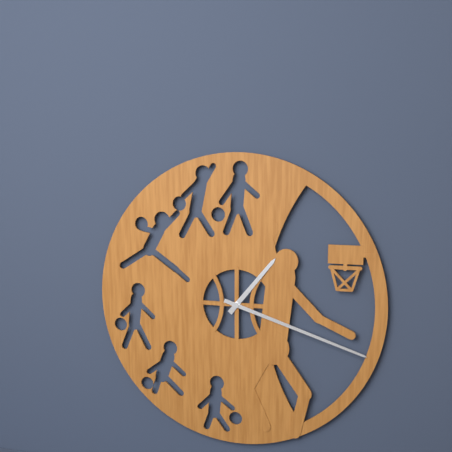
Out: {"hour": 1, "minute": 18}
